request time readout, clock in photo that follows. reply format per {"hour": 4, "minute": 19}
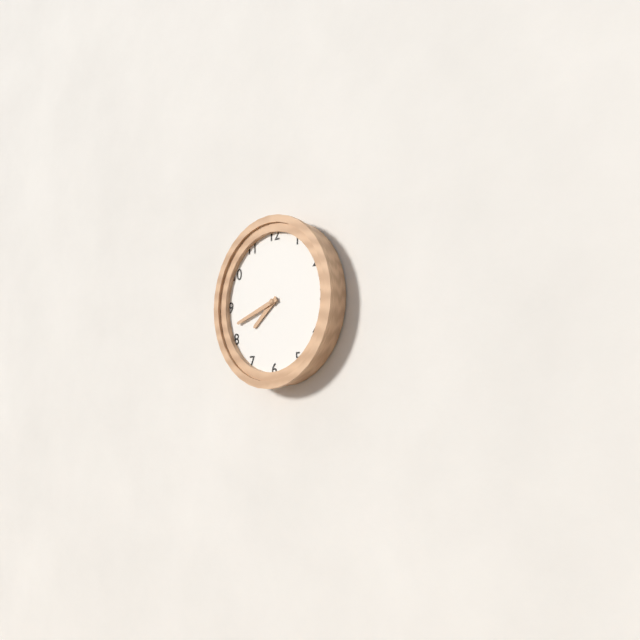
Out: {"hour": 7, "minute": 42}
